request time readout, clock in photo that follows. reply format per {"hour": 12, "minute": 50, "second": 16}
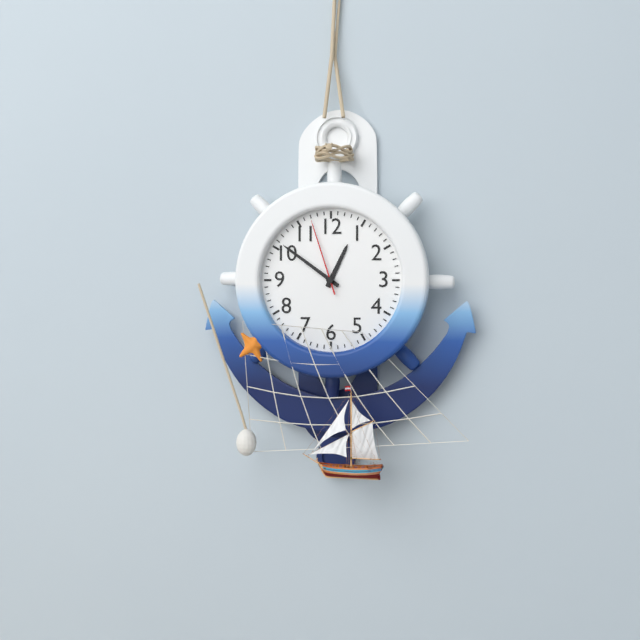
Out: {"hour": 12, "minute": 51, "second": 57}
